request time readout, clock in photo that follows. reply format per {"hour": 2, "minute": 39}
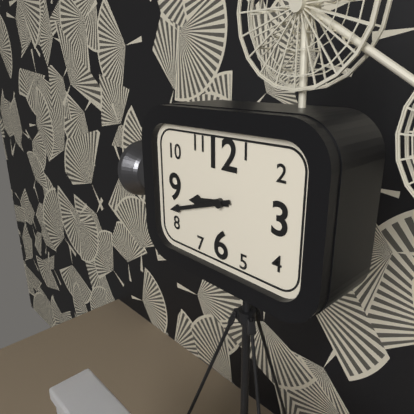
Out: {"hour": 8, "minute": 42}
